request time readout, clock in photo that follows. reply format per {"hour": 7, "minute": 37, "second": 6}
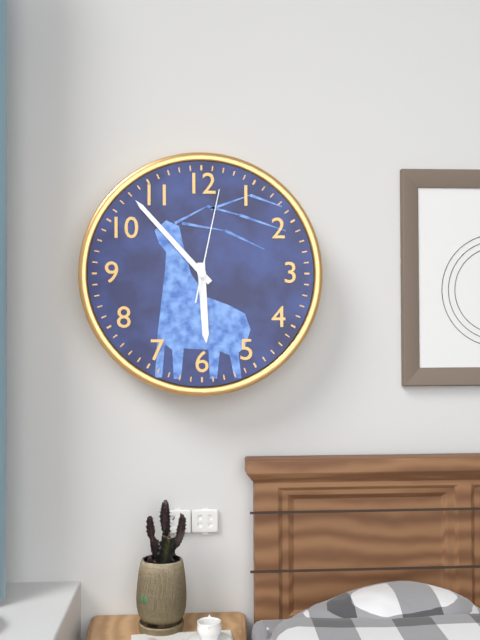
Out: {"hour": 5, "minute": 53, "second": 2}
